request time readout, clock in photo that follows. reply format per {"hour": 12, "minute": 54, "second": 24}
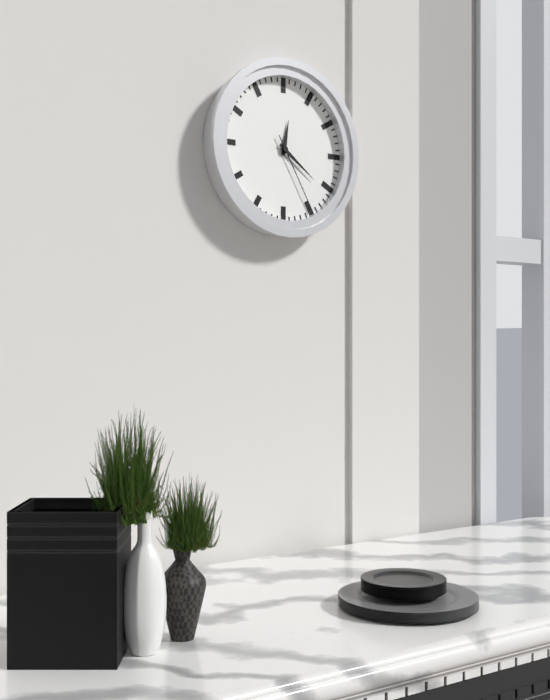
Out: {"hour": 12, "minute": 21, "second": 25}
